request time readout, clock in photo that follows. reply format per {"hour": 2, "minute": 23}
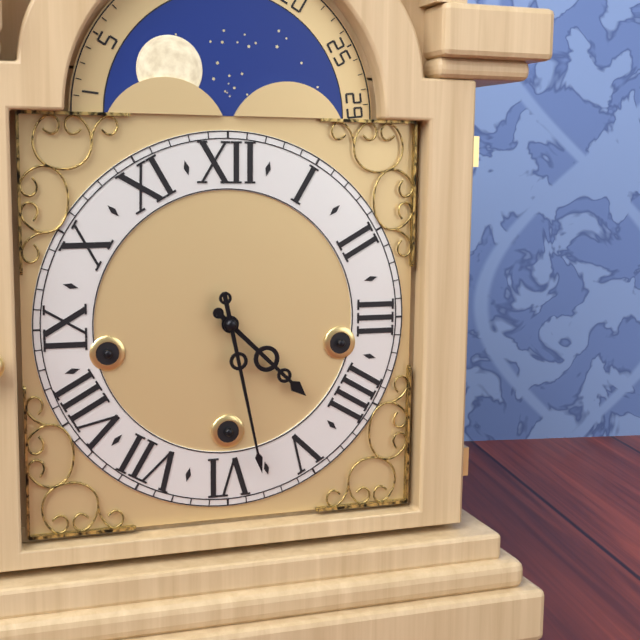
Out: {"hour": 4, "minute": 28}
